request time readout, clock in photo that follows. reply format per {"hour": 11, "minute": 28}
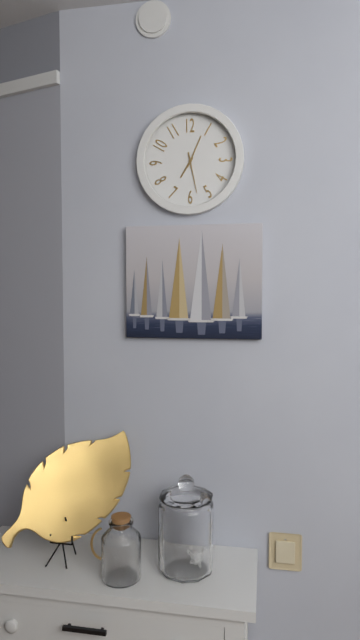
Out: {"hour": 7, "minute": 4}
